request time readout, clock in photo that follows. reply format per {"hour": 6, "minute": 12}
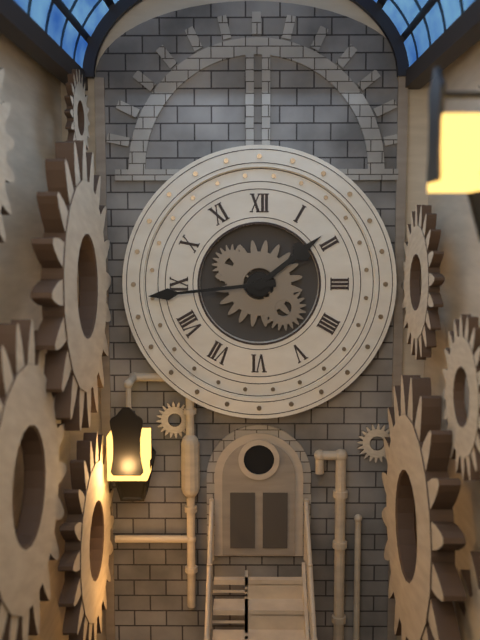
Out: {"hour": 1, "minute": 44}
